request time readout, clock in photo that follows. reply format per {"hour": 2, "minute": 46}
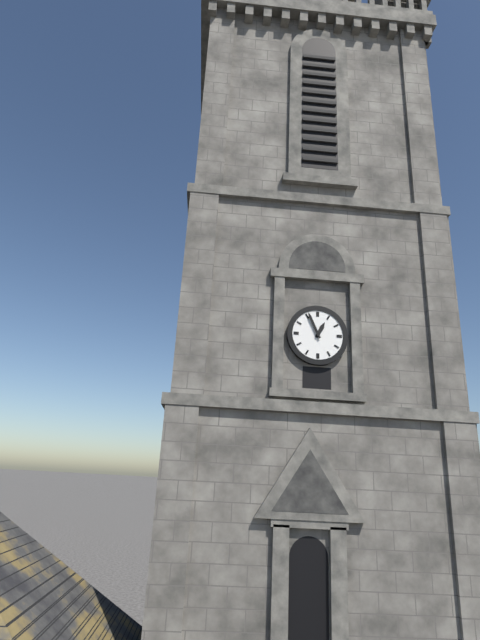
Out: {"hour": 12, "minute": 56}
